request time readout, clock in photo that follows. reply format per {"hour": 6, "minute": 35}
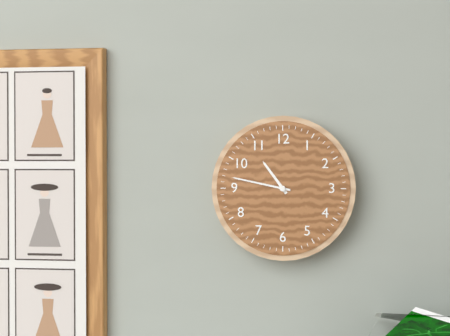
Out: {"hour": 10, "minute": 47}
